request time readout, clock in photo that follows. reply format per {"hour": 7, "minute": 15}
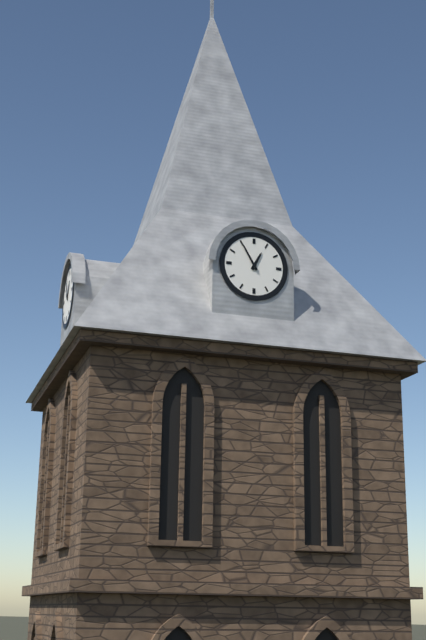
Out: {"hour": 12, "minute": 55}
